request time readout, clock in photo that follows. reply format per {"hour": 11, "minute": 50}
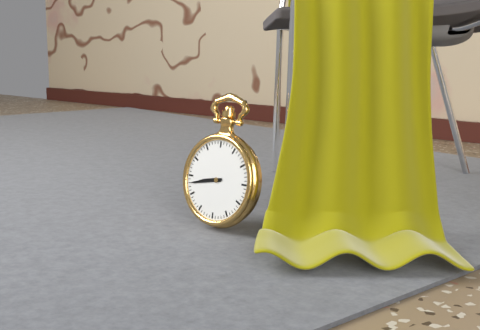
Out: {"hour": 8, "minute": 43}
